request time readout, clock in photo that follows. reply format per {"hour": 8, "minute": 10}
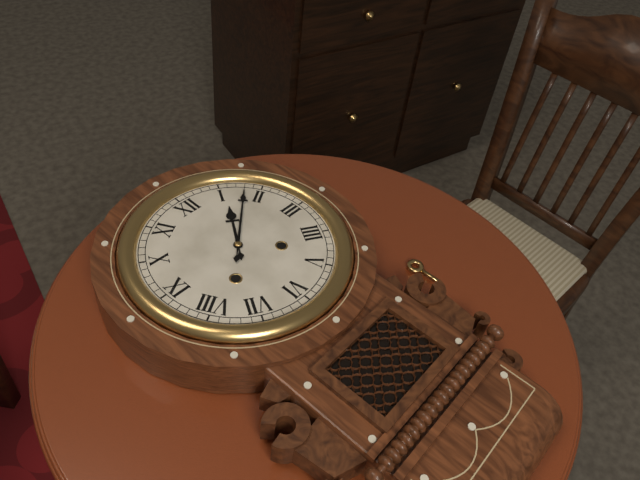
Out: {"hour": 1, "minute": 8}
